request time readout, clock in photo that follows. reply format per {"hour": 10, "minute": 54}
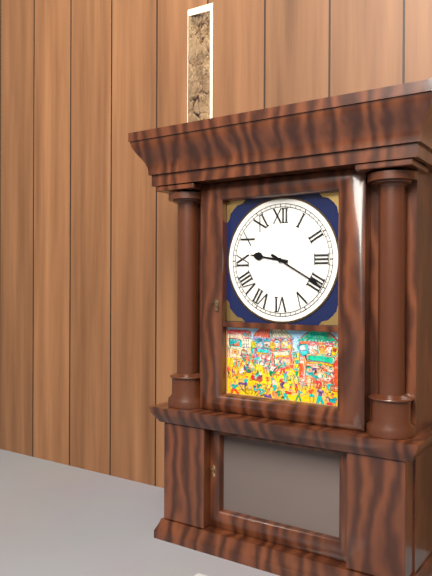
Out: {"hour": 9, "minute": 20}
